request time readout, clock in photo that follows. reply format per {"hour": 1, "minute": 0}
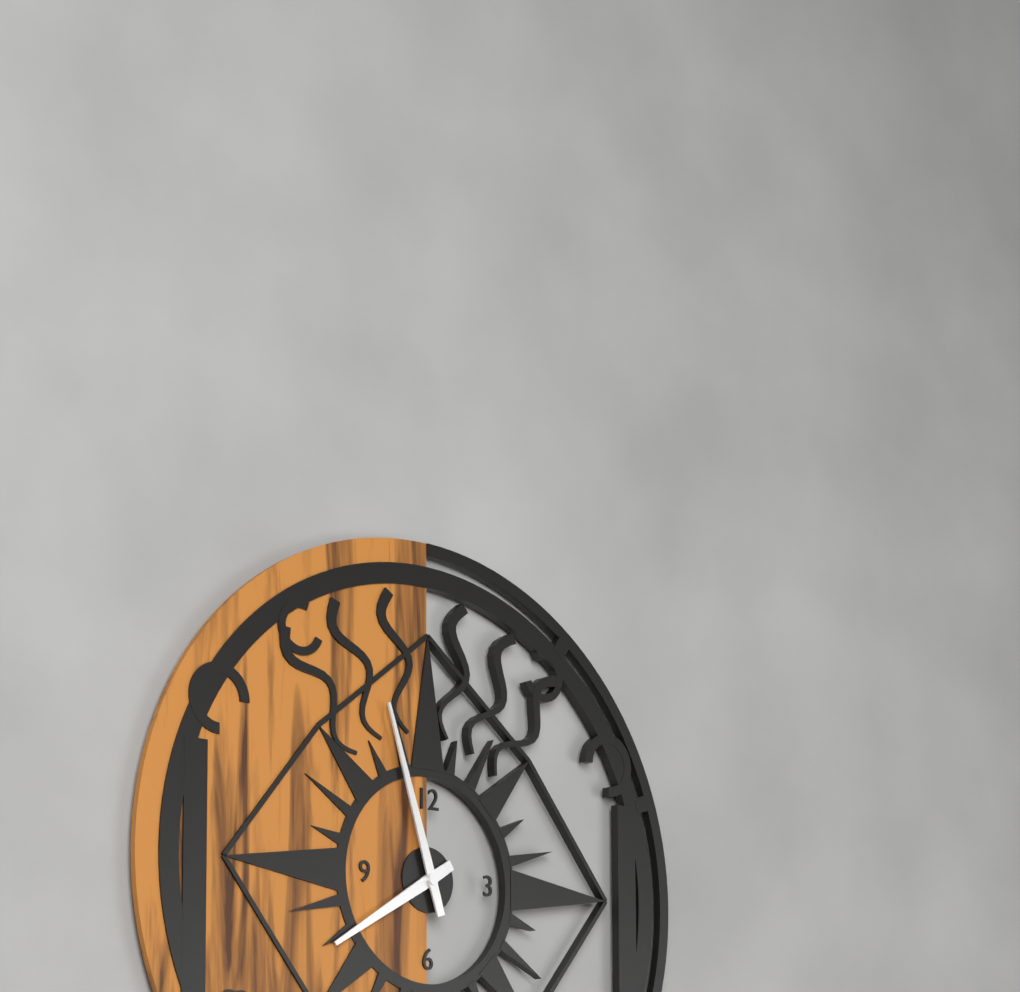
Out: {"hour": 7, "minute": 57}
